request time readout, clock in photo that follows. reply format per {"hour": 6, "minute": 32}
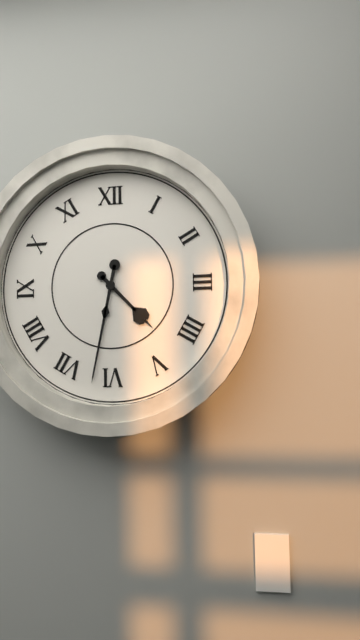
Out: {"hour": 4, "minute": 32}
